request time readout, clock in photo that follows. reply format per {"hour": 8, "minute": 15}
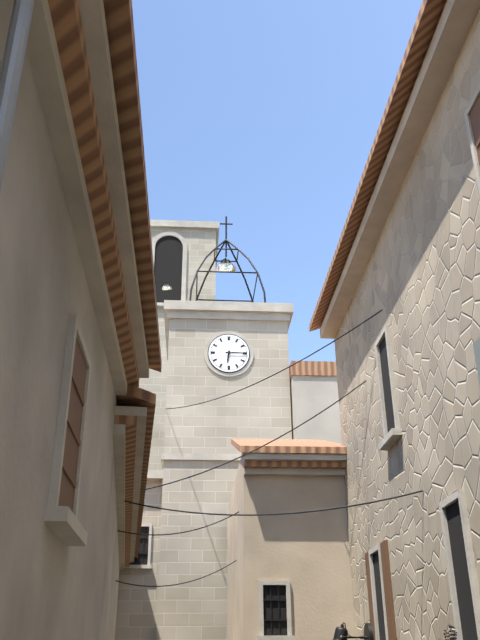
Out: {"hour": 6, "minute": 15}
